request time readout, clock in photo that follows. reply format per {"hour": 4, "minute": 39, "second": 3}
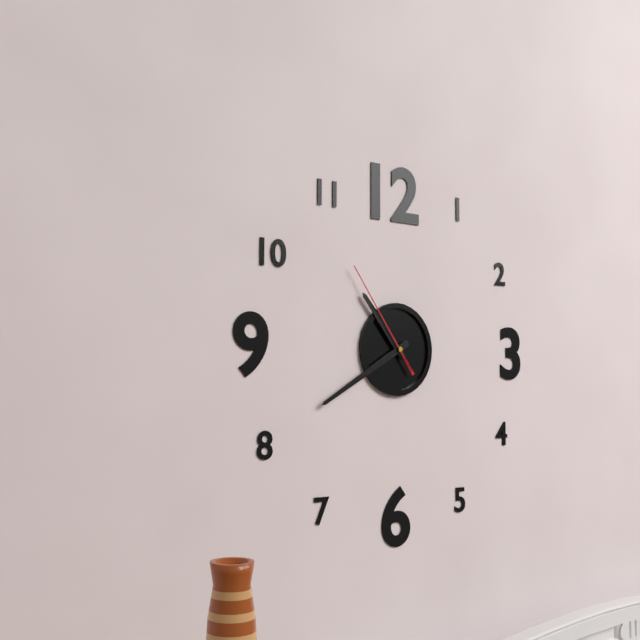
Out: {"hour": 10, "minute": 40, "second": 54}
